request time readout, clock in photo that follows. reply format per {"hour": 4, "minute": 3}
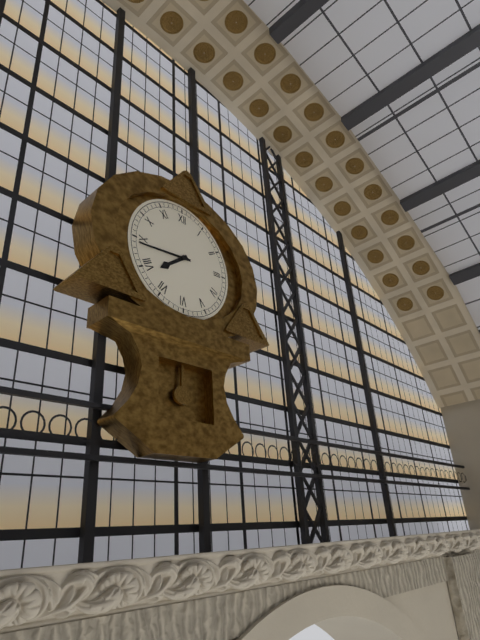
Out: {"hour": 7, "minute": 44}
